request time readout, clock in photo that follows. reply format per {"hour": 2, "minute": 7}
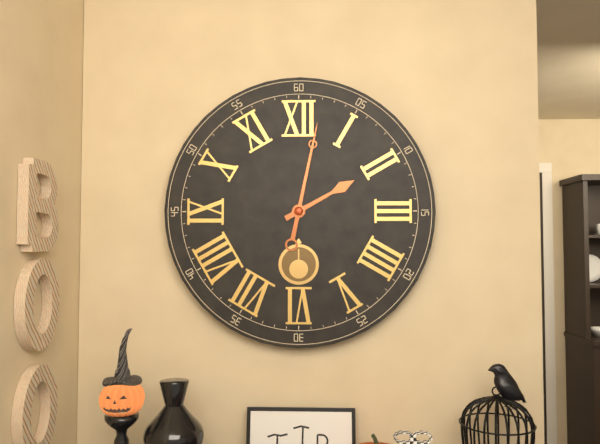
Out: {"hour": 2, "minute": 2}
